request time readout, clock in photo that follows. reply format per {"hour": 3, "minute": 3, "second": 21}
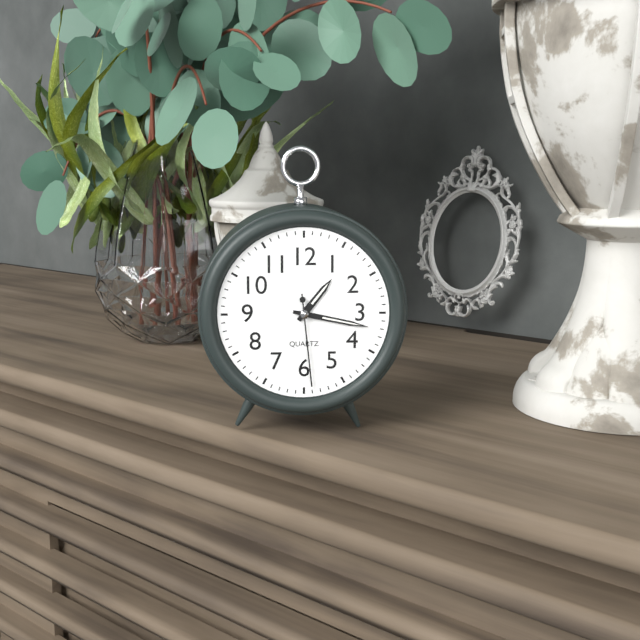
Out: {"hour": 1, "minute": 17, "second": 29}
